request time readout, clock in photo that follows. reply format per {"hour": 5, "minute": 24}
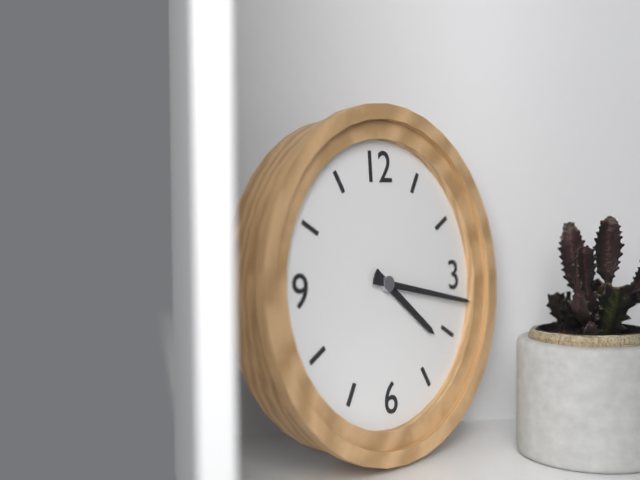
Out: {"hour": 4, "minute": 17}
